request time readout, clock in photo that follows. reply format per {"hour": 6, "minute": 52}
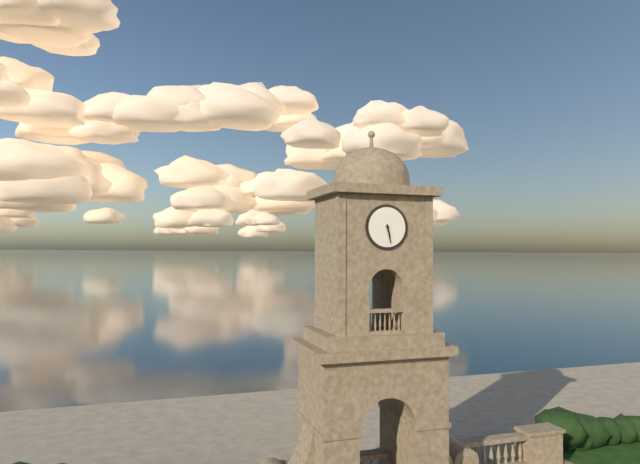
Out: {"hour": 5, "minute": 28}
